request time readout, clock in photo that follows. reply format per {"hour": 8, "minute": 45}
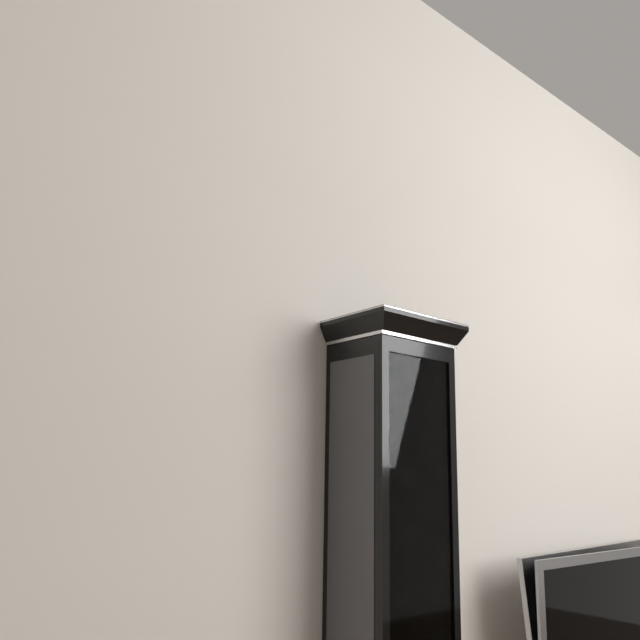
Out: {"hour": 10, "minute": 18}
